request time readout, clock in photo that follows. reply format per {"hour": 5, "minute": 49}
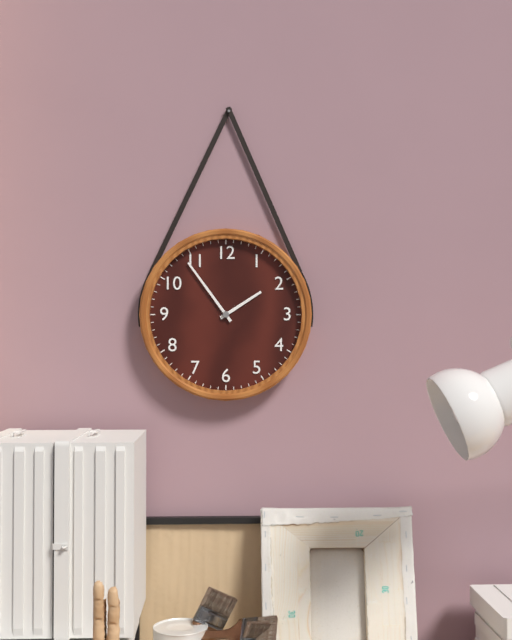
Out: {"hour": 1, "minute": 54}
